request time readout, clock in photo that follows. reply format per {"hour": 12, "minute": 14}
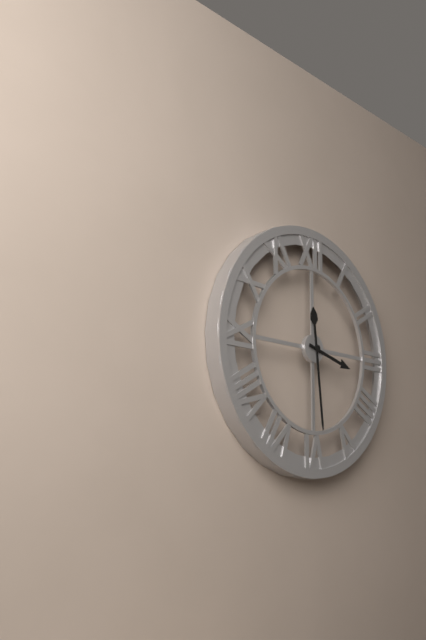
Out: {"hour": 3, "minute": 29}
